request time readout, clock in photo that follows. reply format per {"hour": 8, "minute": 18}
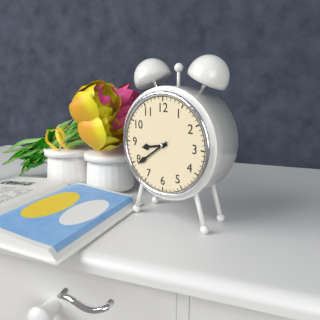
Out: {"hour": 8, "minute": 39}
